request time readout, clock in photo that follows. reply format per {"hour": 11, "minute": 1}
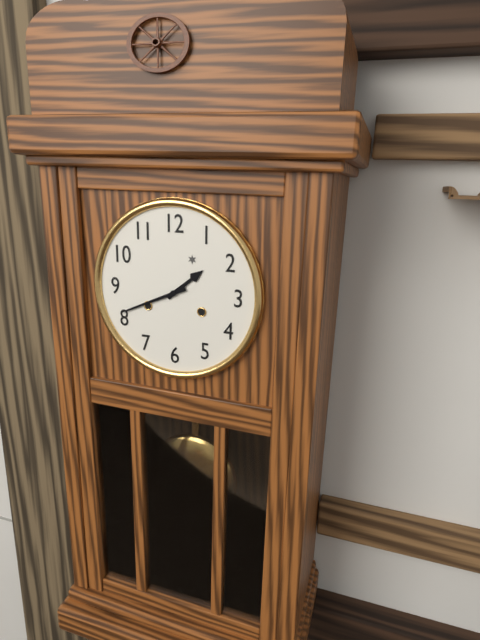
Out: {"hour": 1, "minute": 41}
